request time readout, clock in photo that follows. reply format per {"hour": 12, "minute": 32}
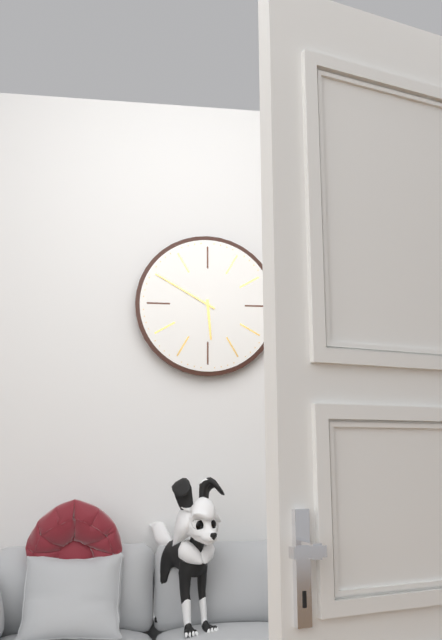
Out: {"hour": 5, "minute": 50}
